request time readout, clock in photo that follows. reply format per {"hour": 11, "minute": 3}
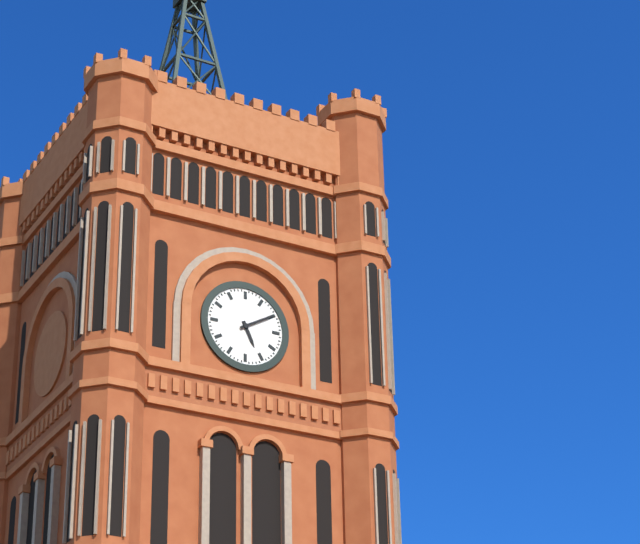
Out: {"hour": 5, "minute": 10}
